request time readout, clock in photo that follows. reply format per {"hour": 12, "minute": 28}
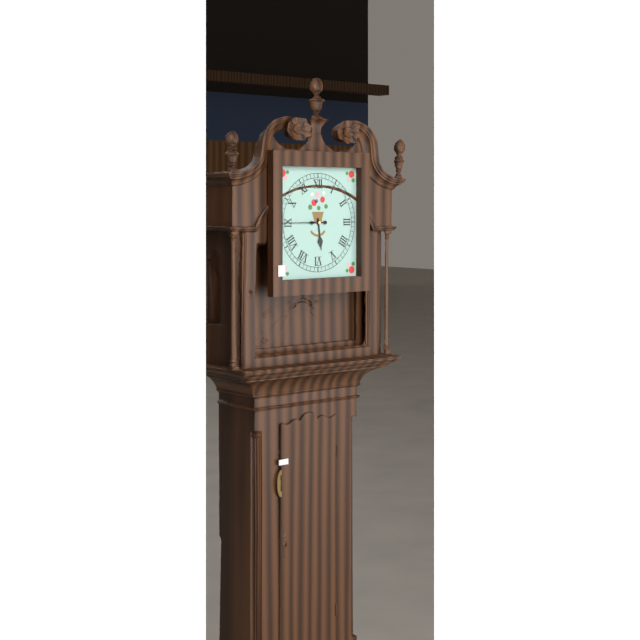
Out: {"hour": 5, "minute": 45}
